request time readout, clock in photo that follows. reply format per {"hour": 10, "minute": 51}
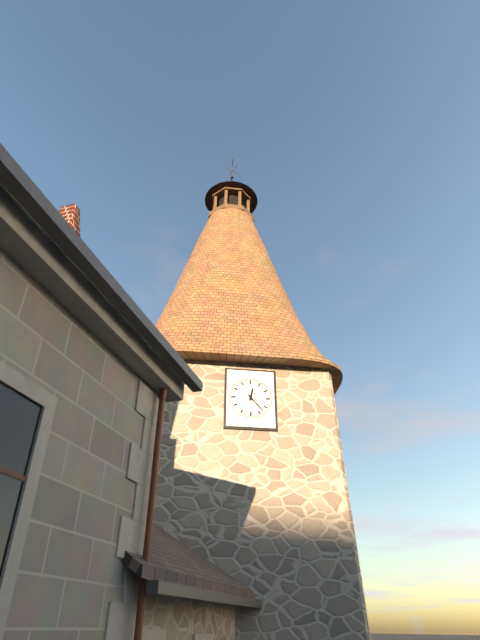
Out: {"hour": 12, "minute": 23}
